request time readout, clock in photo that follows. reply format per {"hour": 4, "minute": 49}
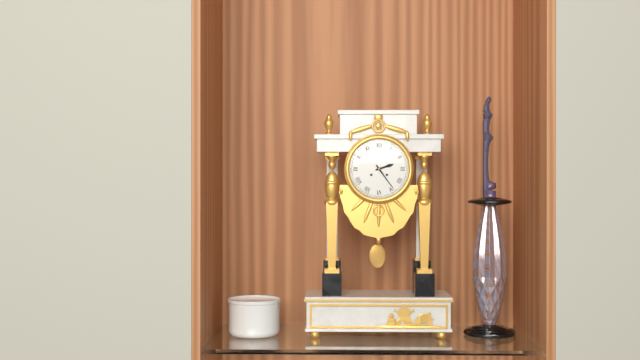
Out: {"hour": 2, "minute": 24}
